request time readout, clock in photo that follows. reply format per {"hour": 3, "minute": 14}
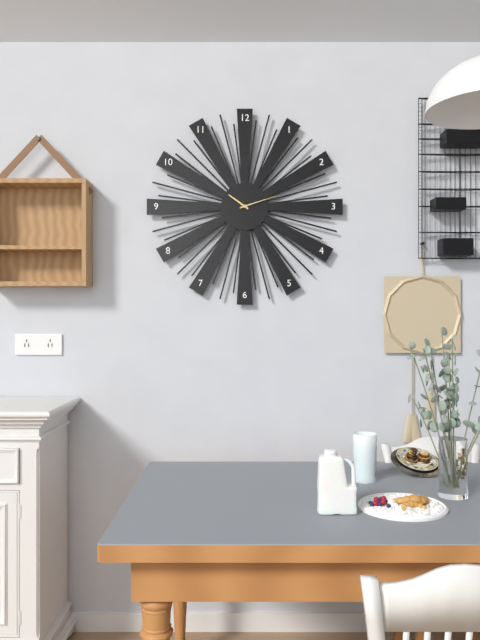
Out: {"hour": 10, "minute": 12}
